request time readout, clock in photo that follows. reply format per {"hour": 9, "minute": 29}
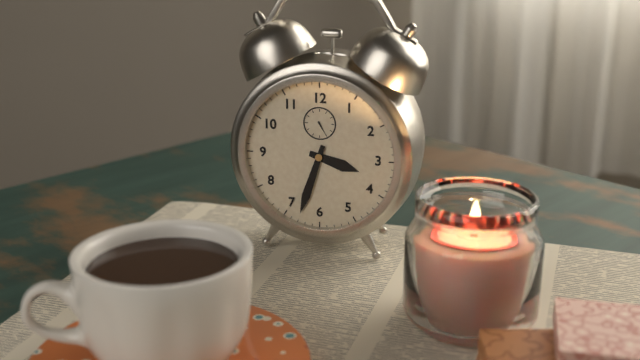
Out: {"hour": 3, "minute": 33}
